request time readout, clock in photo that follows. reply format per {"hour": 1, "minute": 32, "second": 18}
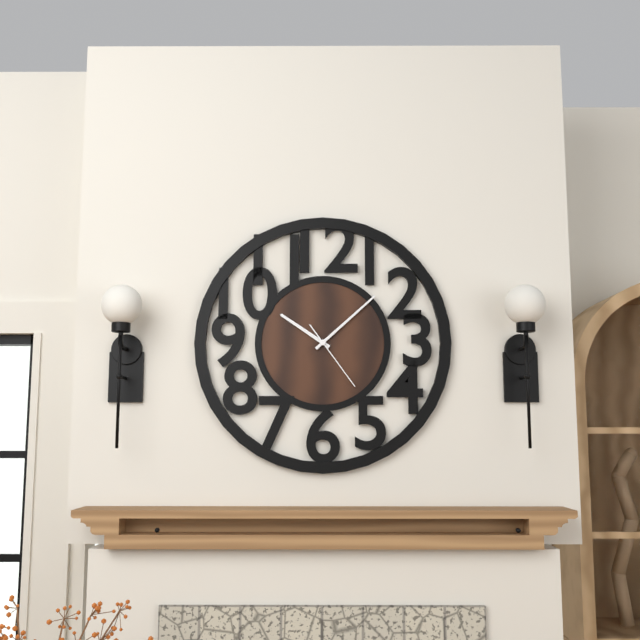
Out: {"hour": 10, "minute": 8, "second": 24}
